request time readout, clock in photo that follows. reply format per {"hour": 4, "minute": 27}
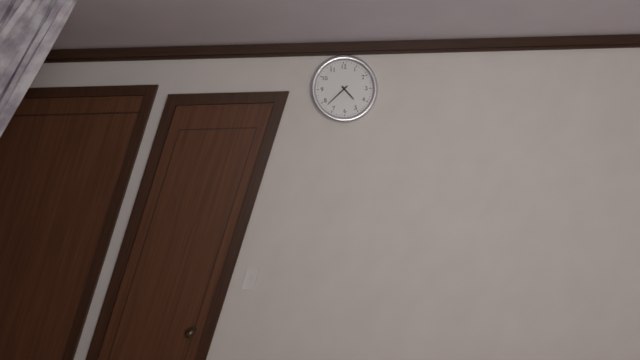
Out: {"hour": 4, "minute": 38}
